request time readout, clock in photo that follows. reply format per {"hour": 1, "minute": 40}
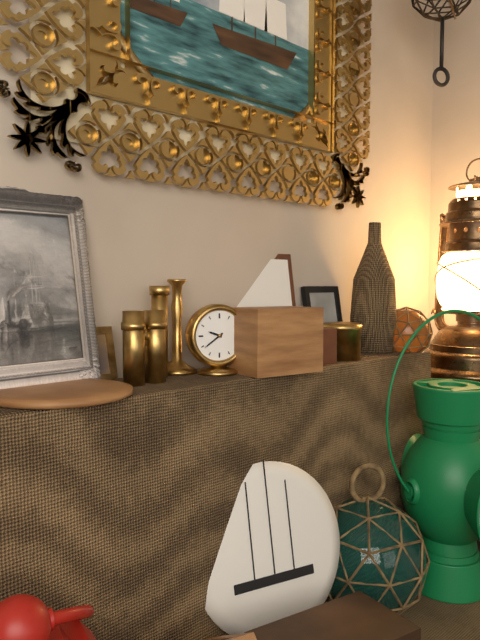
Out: {"hour": 9, "minute": 39}
